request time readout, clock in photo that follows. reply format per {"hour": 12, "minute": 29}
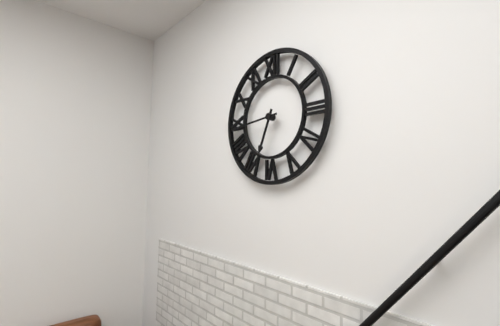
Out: {"hour": 6, "minute": 44}
